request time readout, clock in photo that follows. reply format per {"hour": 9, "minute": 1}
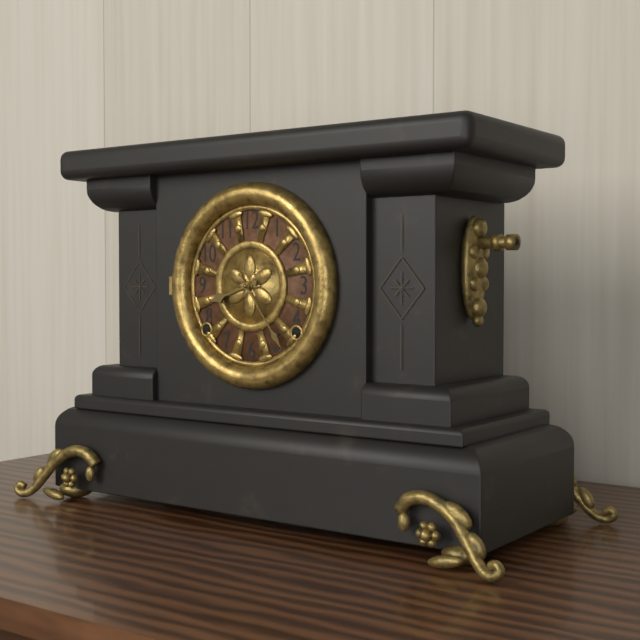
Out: {"hour": 8, "minute": 24}
